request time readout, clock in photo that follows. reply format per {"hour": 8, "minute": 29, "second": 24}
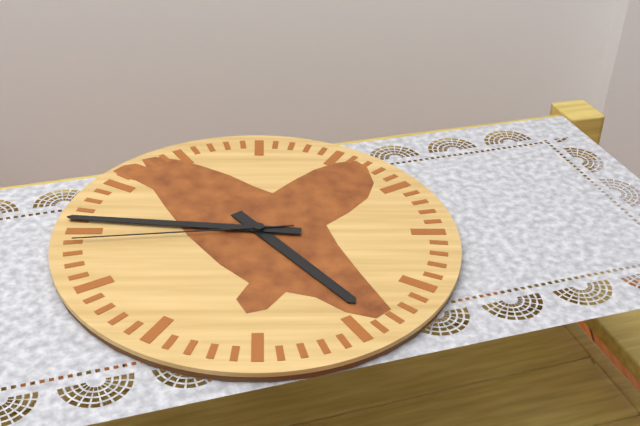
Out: {"hour": 4, "minute": 46, "second": 44}
